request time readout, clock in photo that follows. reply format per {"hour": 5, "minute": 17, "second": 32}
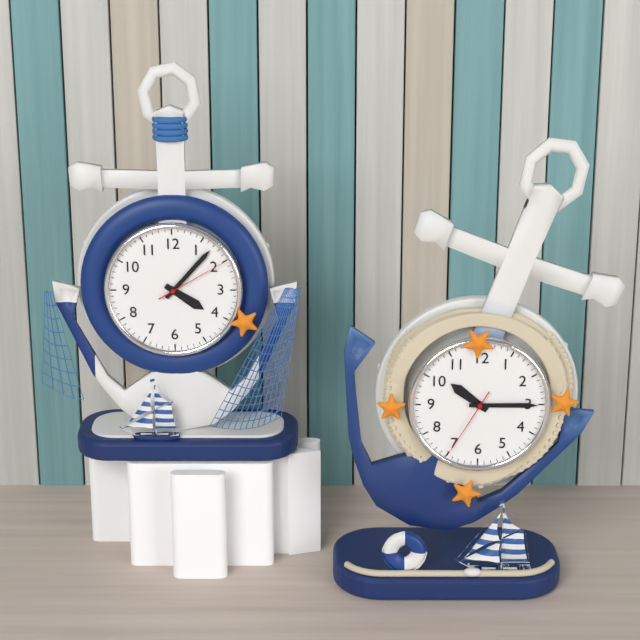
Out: {"hour": 4, "minute": 7, "second": 10}
